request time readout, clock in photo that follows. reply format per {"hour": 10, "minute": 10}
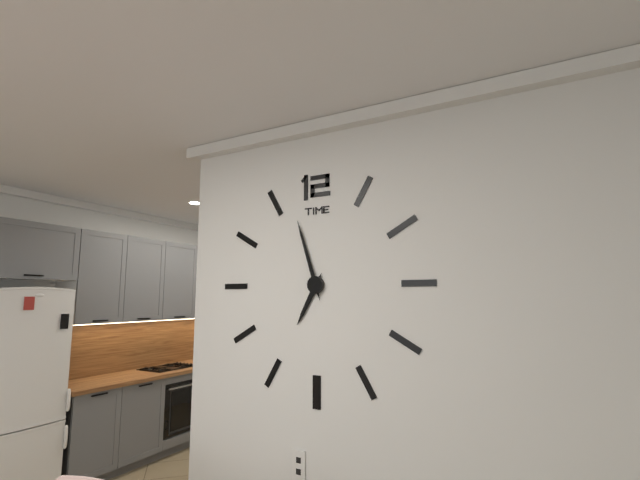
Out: {"hour": 6, "minute": 57}
